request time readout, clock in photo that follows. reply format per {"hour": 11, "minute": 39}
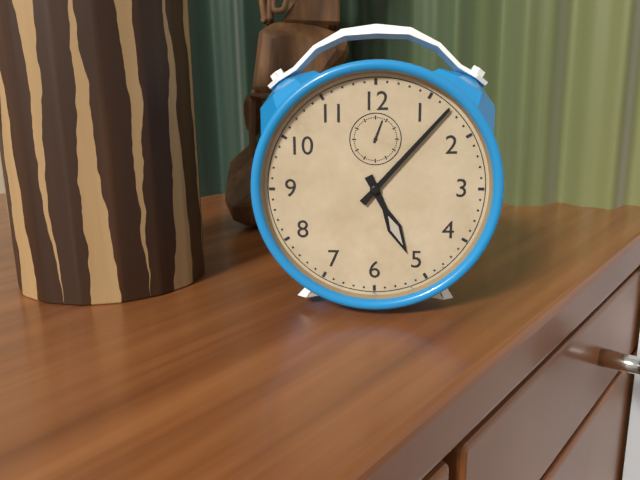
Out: {"hour": 5, "minute": 7}
